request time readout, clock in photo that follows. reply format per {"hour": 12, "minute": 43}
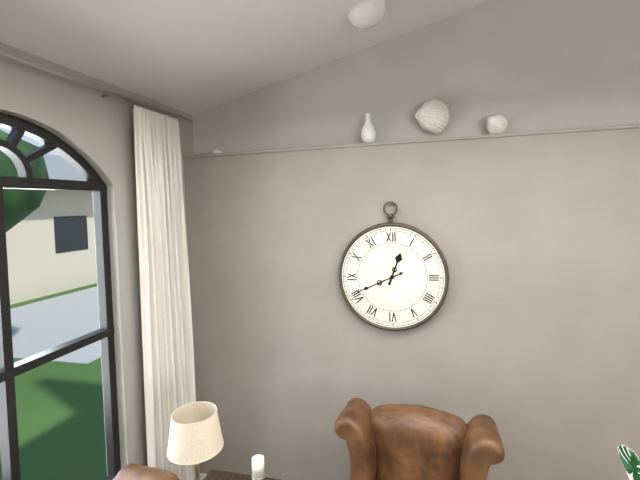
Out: {"hour": 12, "minute": 41}
